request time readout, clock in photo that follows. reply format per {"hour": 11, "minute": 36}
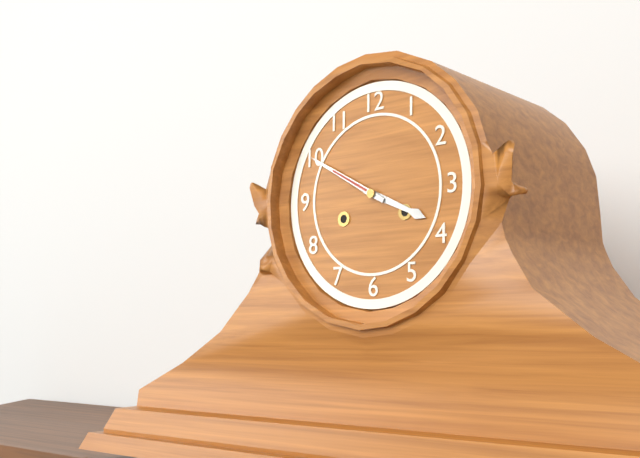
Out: {"hour": 3, "minute": 50}
